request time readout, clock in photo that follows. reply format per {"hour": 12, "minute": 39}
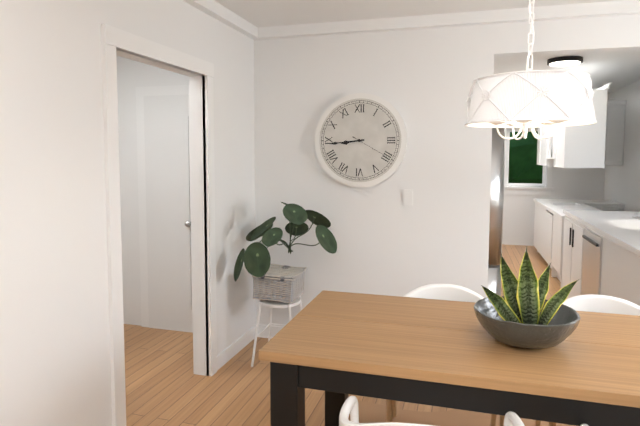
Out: {"hour": 8, "minute": 44}
